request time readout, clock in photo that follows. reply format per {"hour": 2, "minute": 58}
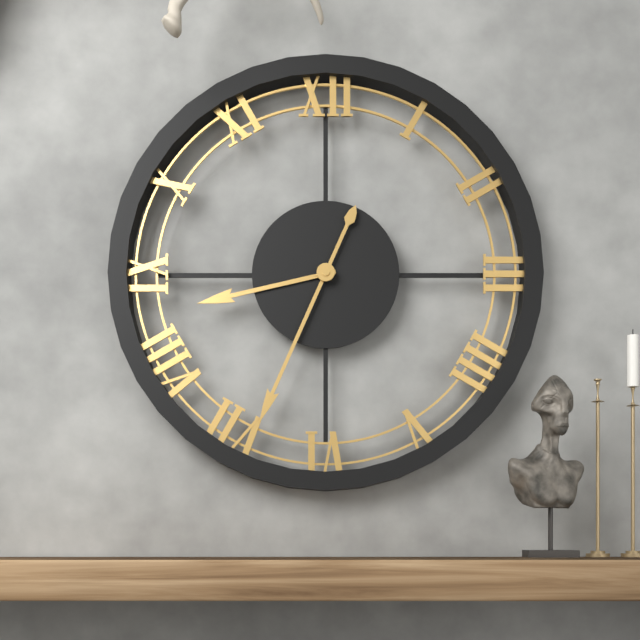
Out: {"hour": 8, "minute": 34}
